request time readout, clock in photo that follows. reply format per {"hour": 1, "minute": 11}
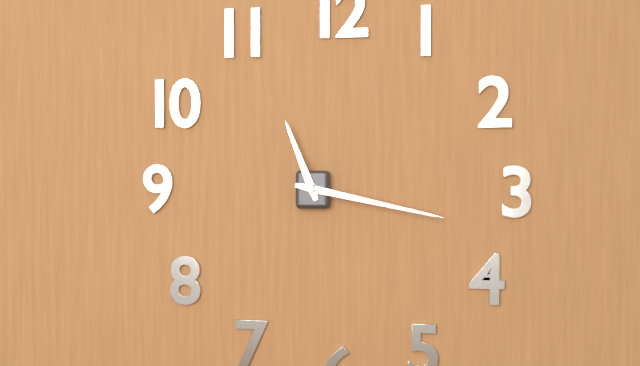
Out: {"hour": 11, "minute": 17}
